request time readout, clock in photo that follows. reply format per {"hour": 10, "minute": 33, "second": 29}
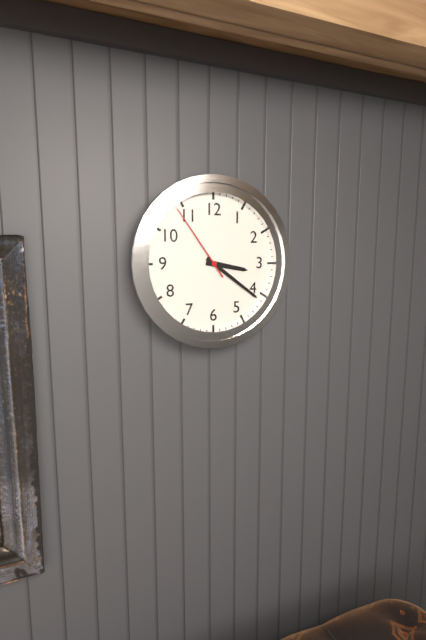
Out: {"hour": 3, "minute": 21, "second": 54}
